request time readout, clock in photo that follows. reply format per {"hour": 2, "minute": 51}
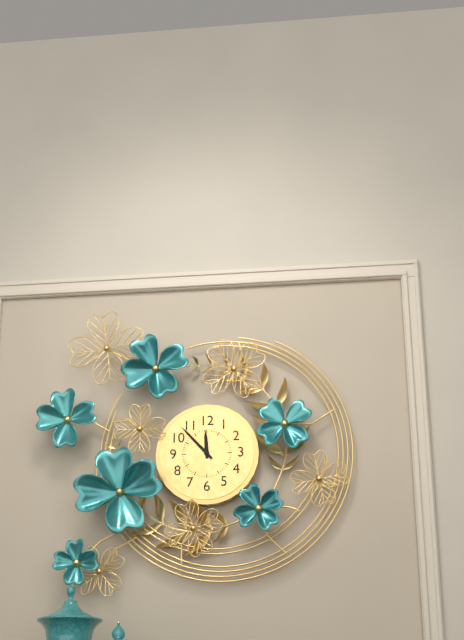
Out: {"hour": 11, "minute": 53}
